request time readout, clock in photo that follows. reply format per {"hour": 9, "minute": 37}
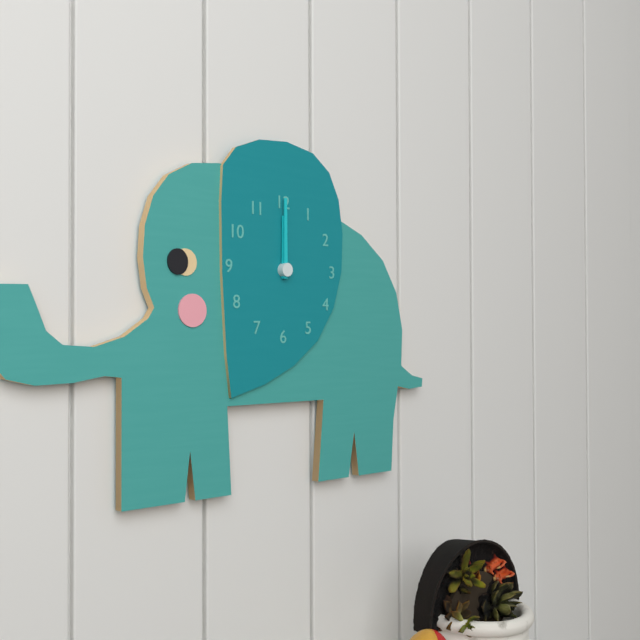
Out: {"hour": 12, "minute": 0}
